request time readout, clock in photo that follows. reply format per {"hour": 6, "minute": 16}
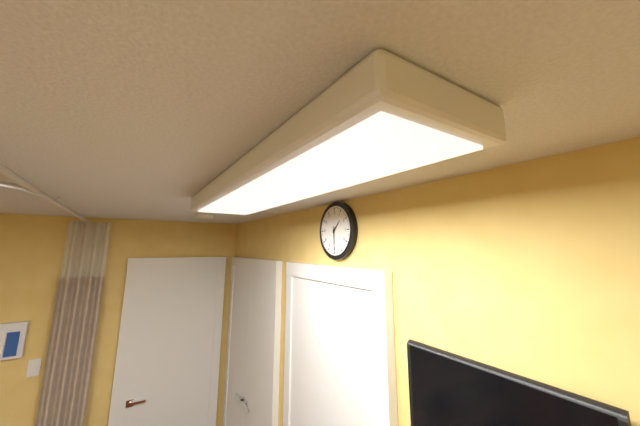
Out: {"hour": 1, "minute": 30}
